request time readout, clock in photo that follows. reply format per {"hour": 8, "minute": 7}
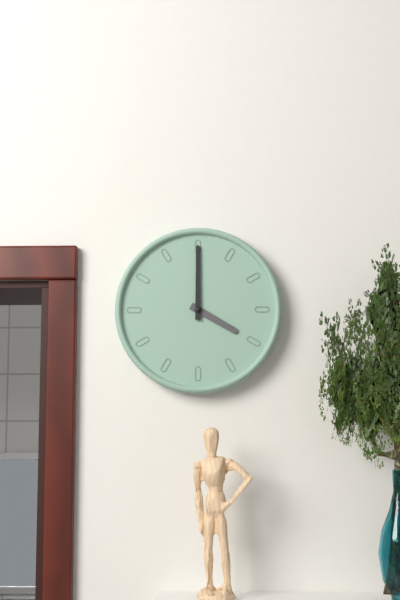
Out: {"hour": 4, "minute": 0}
